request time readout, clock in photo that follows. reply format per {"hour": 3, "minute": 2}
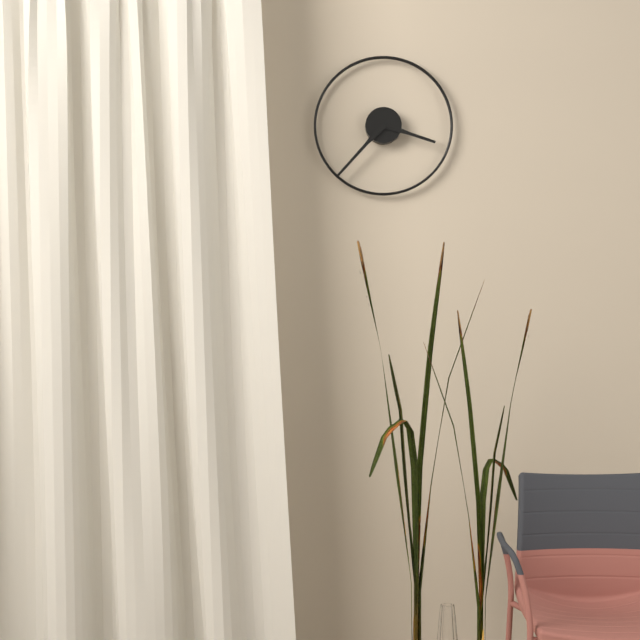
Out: {"hour": 3, "minute": 37}
